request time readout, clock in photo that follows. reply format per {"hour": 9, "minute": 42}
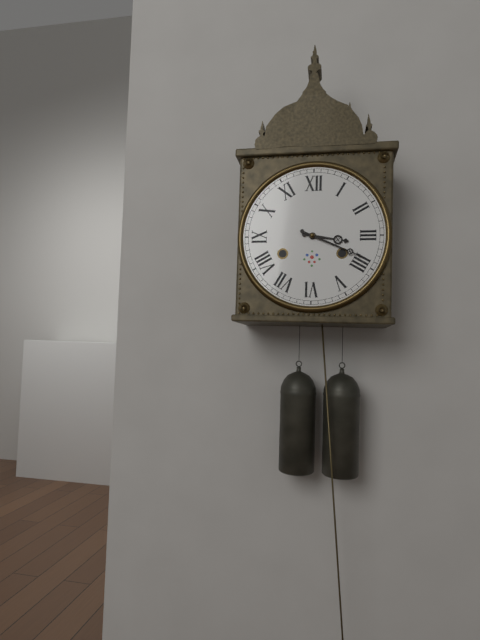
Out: {"hour": 3, "minute": 19}
